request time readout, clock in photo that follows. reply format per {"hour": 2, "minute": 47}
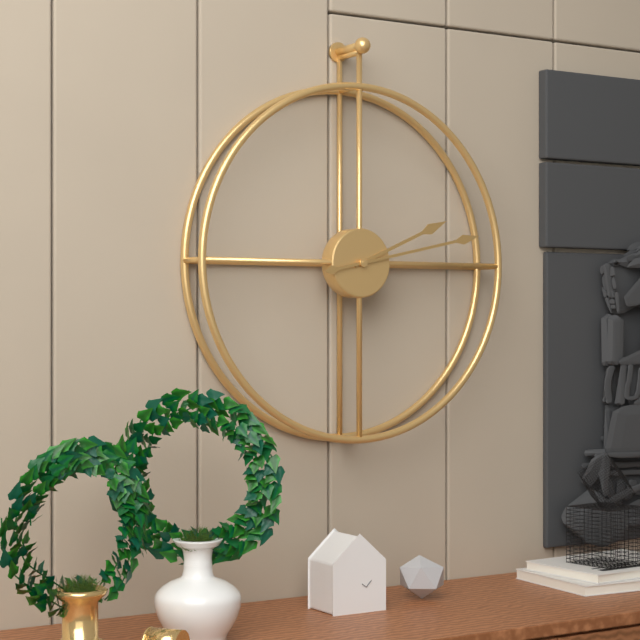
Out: {"hour": 2, "minute": 13}
